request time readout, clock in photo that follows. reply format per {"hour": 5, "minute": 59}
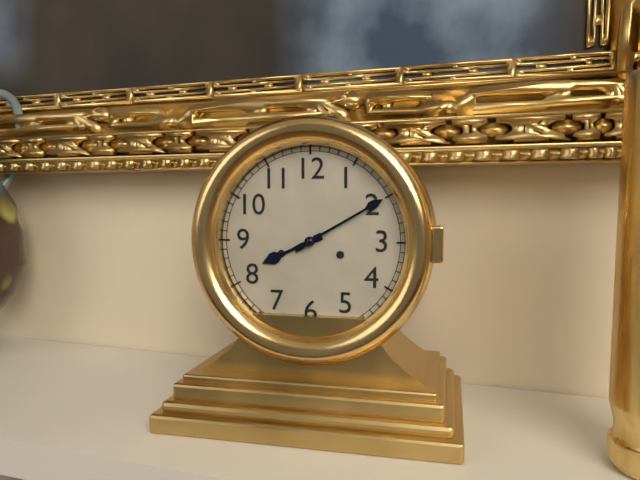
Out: {"hour": 8, "minute": 10}
